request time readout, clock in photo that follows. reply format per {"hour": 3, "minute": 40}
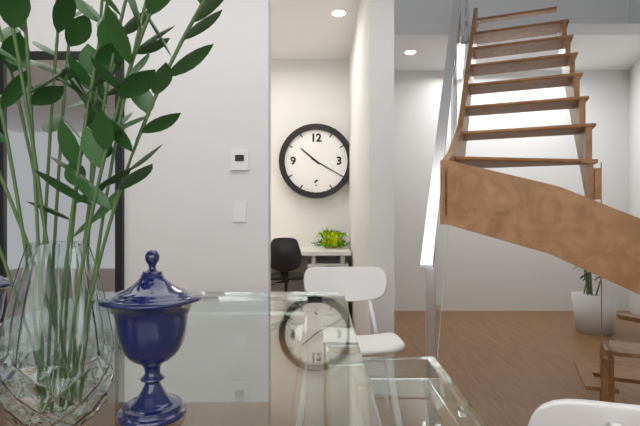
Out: {"hour": 10, "minute": 20}
